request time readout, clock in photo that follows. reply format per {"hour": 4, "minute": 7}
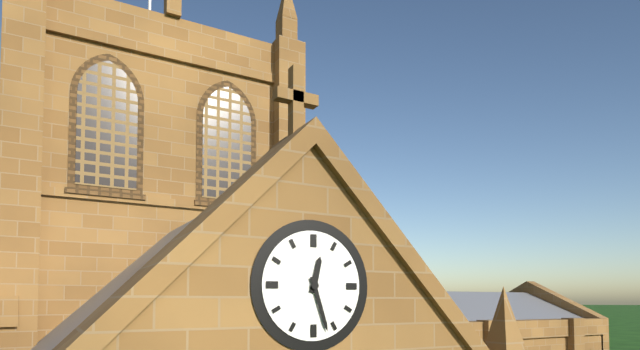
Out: {"hour": 12, "minute": 27}
